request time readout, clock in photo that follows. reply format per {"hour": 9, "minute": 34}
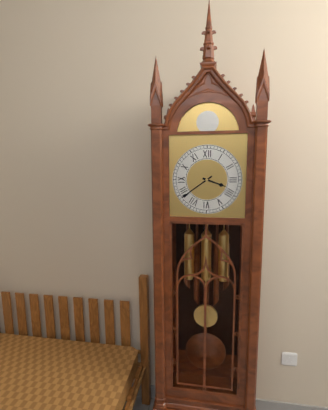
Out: {"hour": 3, "minute": 39}
